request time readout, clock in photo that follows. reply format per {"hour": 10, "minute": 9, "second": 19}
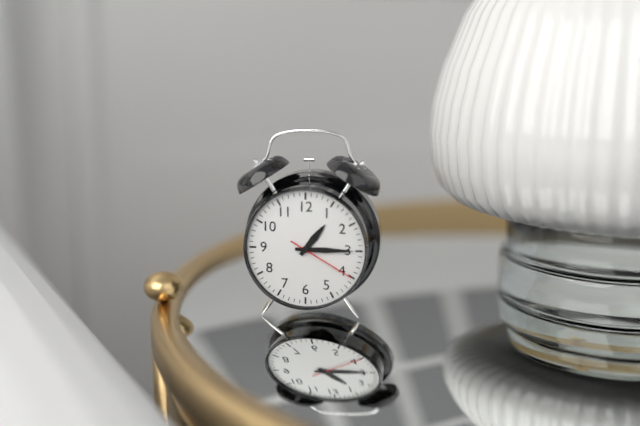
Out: {"hour": 1, "minute": 15, "second": 20}
